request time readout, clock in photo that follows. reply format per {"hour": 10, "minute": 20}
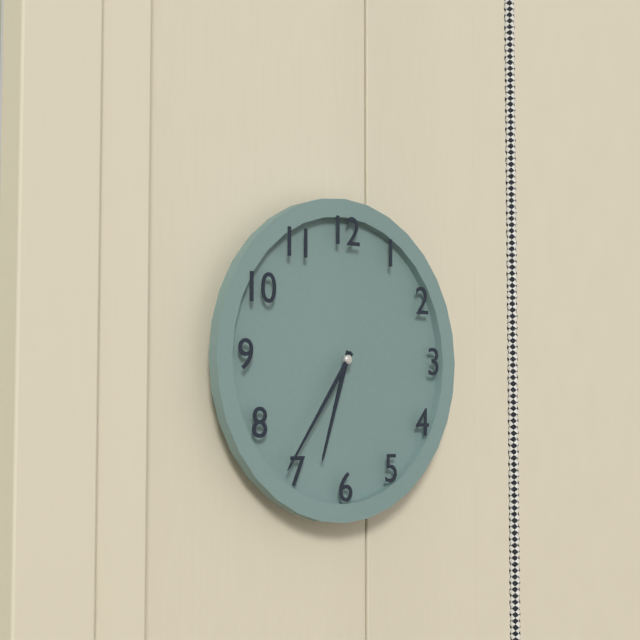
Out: {"hour": 6, "minute": 36}
